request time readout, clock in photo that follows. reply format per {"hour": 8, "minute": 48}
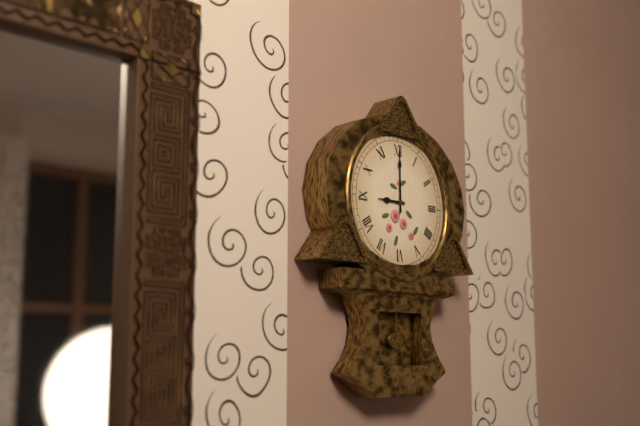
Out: {"hour": 9, "minute": 0}
